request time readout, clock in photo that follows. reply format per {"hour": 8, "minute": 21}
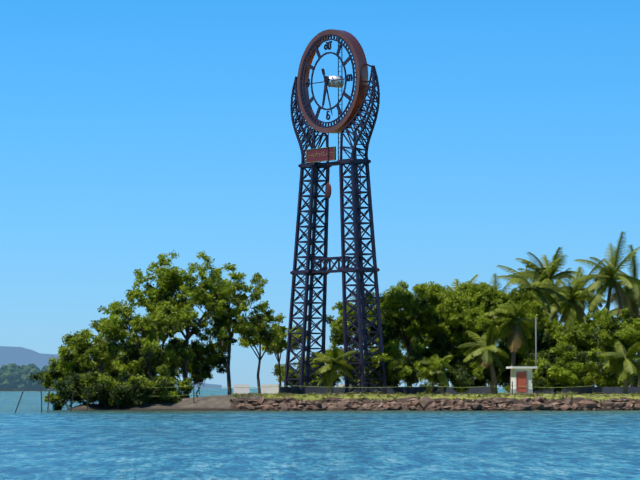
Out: {"hour": 6, "minute": 27}
